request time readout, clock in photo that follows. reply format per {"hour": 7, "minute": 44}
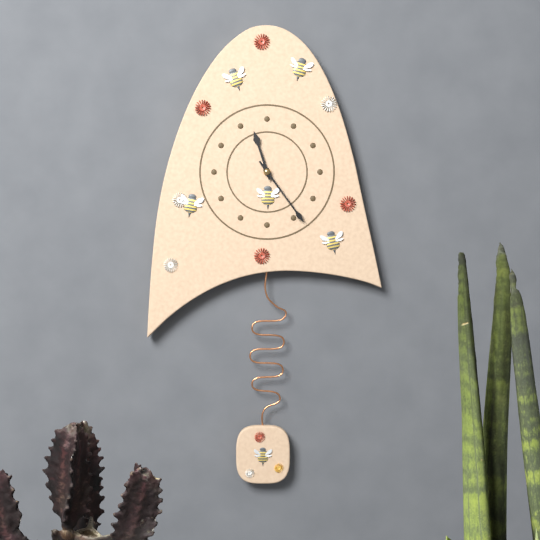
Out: {"hour": 11, "minute": 24}
